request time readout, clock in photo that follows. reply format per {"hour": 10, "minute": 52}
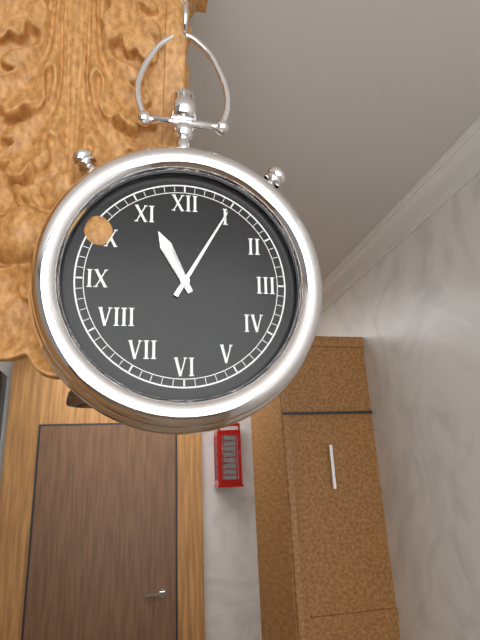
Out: {"hour": 11, "minute": 5}
